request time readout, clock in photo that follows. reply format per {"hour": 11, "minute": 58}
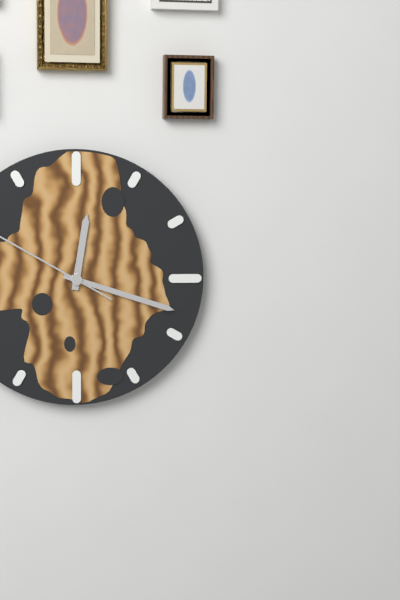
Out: {"hour": 12, "minute": 18}
